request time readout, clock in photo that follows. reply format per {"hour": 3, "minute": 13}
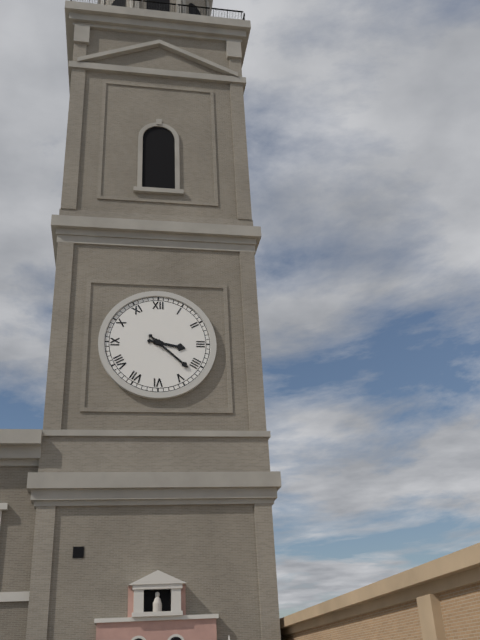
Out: {"hour": 3, "minute": 22}
